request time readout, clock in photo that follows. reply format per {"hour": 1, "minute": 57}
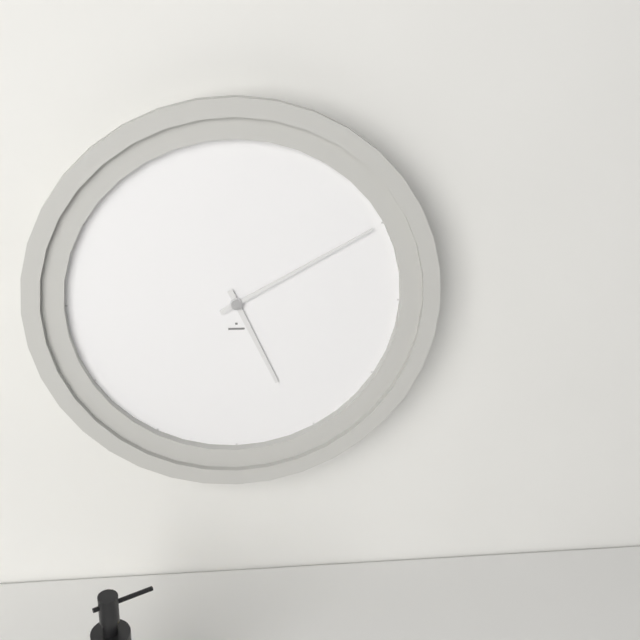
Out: {"hour": 5, "minute": 10}
